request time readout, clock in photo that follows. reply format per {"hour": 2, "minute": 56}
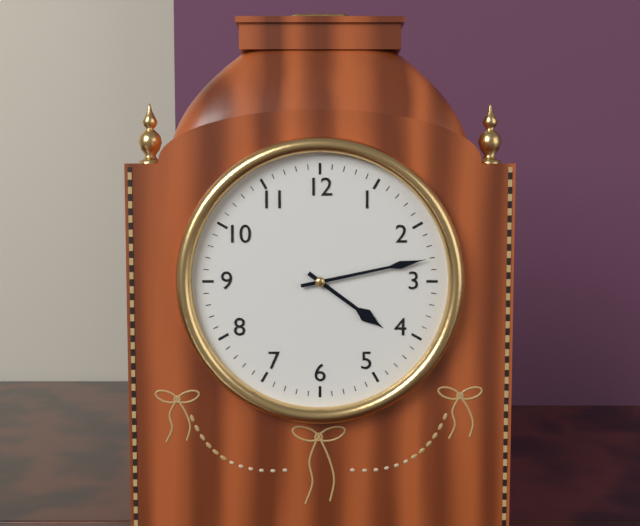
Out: {"hour": 4, "minute": 13}
